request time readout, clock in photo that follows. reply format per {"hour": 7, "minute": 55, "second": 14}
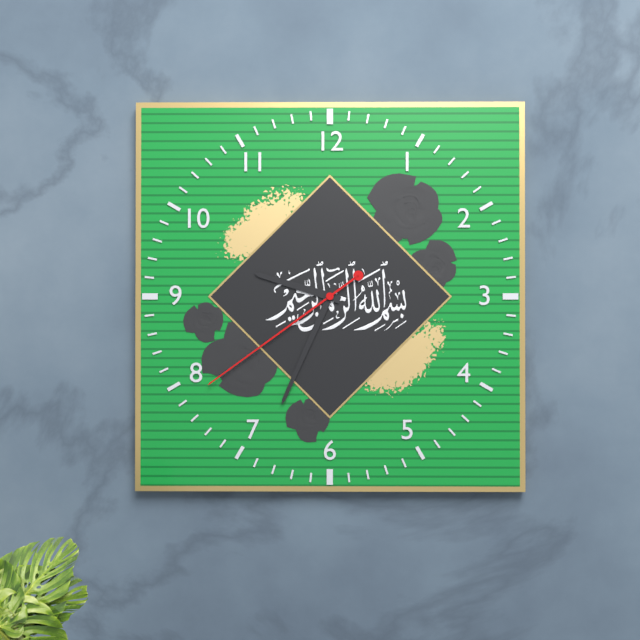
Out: {"hour": 9, "minute": 34, "second": 39}
